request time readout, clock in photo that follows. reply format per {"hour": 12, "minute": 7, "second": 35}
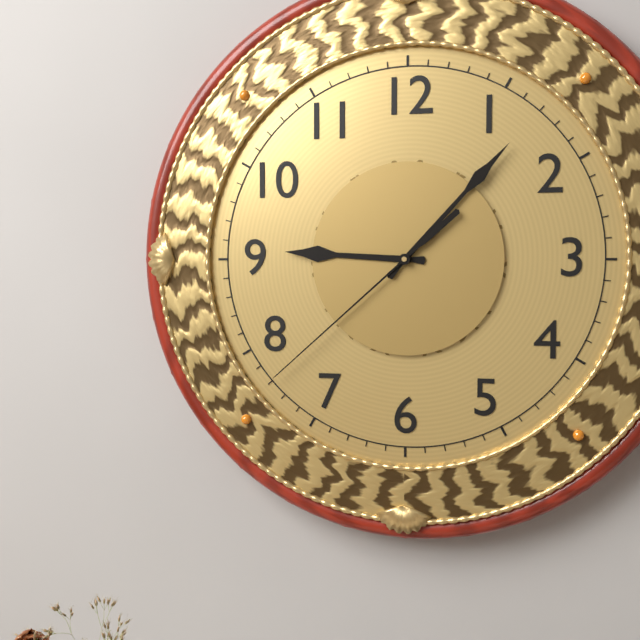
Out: {"hour": 9, "minute": 7, "second": 38}
